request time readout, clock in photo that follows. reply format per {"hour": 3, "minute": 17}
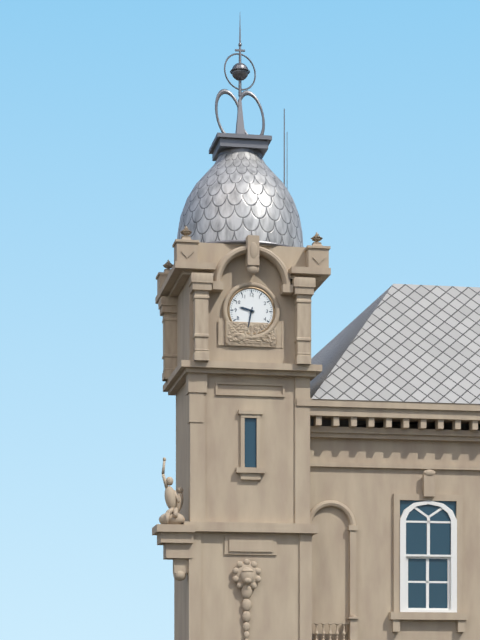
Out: {"hour": 9, "minute": 32}
